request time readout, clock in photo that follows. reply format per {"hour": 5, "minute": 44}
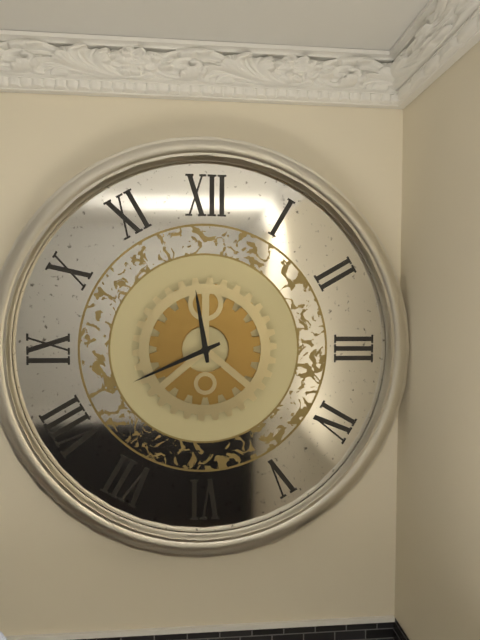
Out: {"hour": 11, "minute": 41}
